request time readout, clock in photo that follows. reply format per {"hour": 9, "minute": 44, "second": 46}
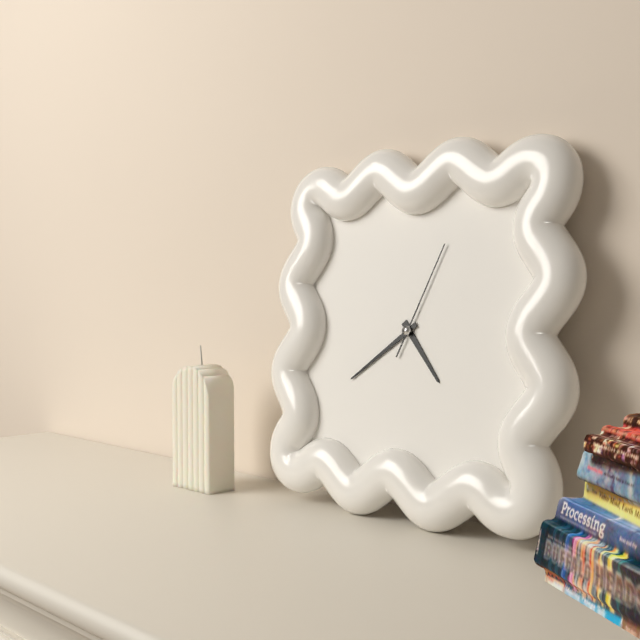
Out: {"hour": 4, "minute": 39, "second": 4}
